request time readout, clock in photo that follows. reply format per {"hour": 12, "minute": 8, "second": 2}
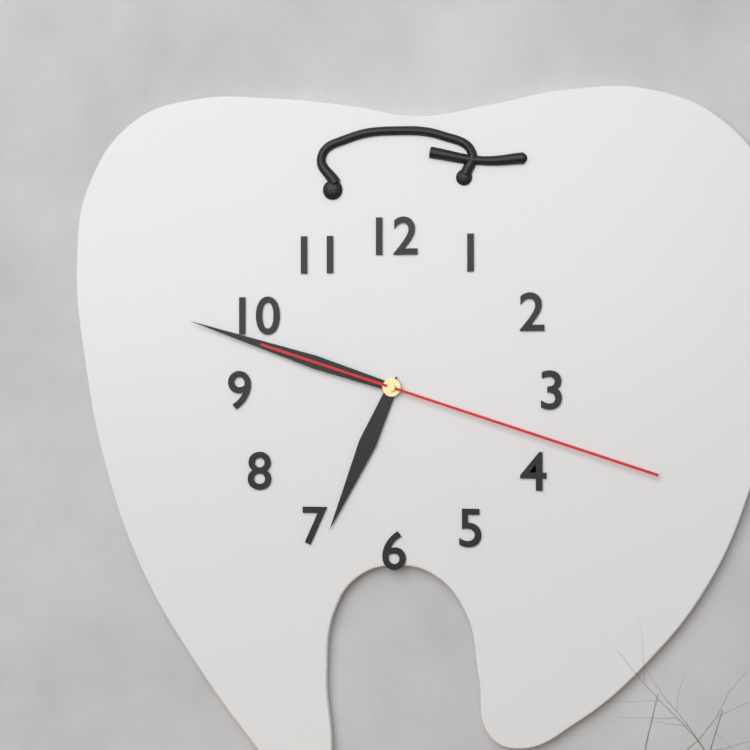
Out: {"hour": 6, "minute": 48, "second": 18}
